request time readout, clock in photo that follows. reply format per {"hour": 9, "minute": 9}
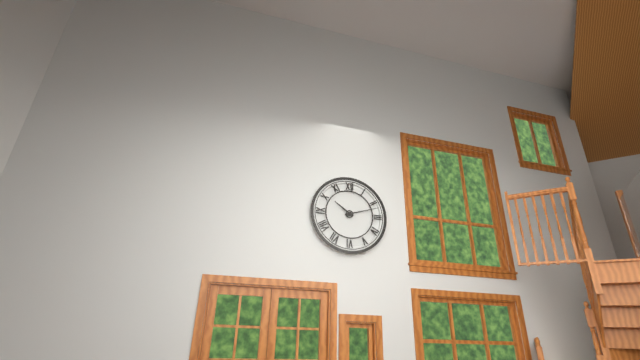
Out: {"hour": 10, "minute": 12}
